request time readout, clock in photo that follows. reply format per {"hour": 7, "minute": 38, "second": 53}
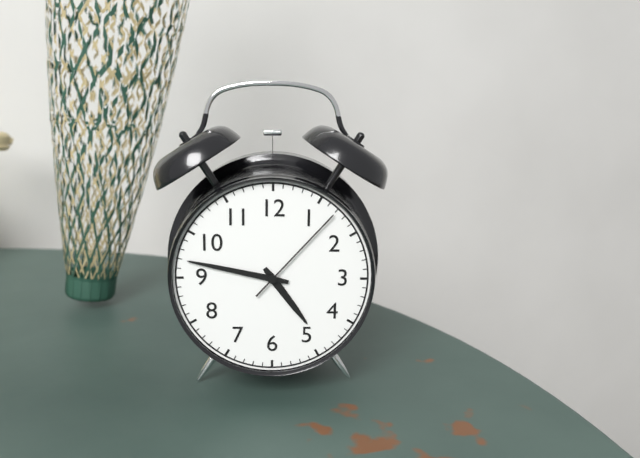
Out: {"hour": 4, "minute": 47, "second": 7}
